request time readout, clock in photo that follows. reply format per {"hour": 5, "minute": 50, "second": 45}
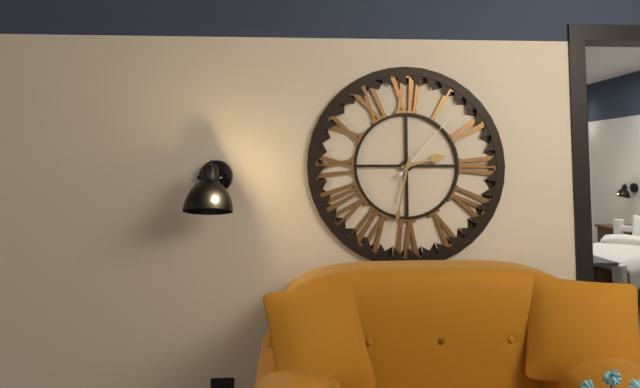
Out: {"hour": 2, "minute": 32, "second": 7}
